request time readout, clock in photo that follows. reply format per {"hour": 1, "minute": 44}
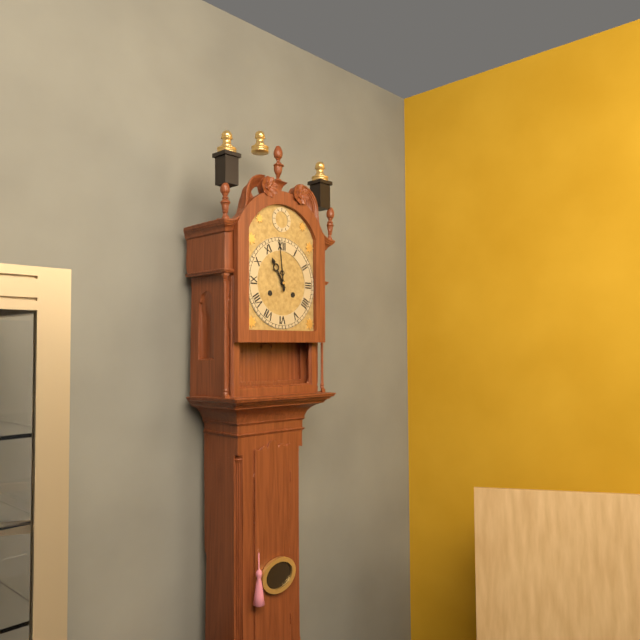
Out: {"hour": 10, "minute": 59}
